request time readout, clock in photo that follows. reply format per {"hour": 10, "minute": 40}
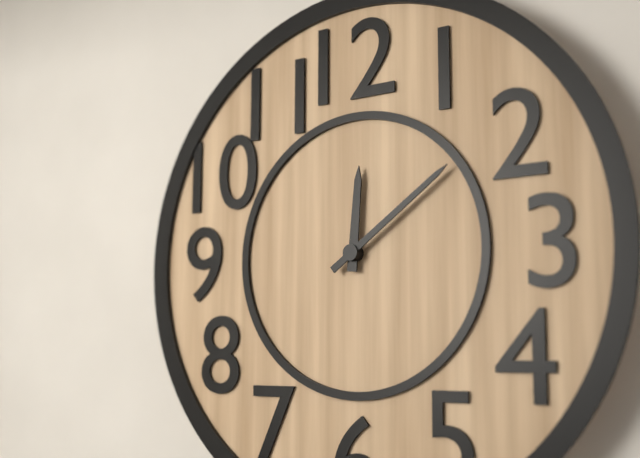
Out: {"hour": 12, "minute": 9}
